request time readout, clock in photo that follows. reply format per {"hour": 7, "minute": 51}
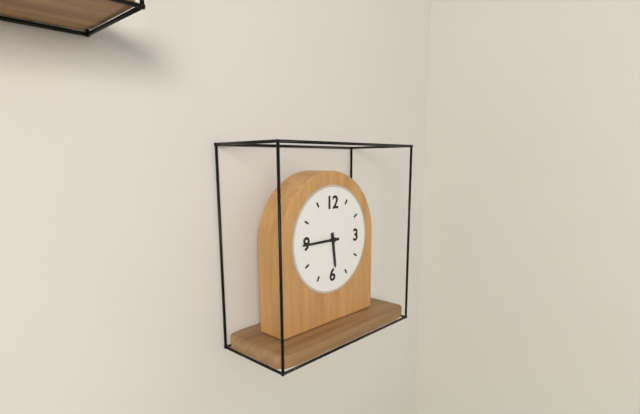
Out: {"hour": 5, "minute": 45}
